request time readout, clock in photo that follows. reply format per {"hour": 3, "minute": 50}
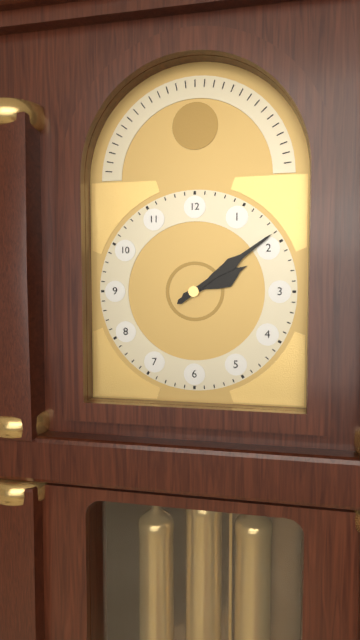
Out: {"hour": 2, "minute": 9}
